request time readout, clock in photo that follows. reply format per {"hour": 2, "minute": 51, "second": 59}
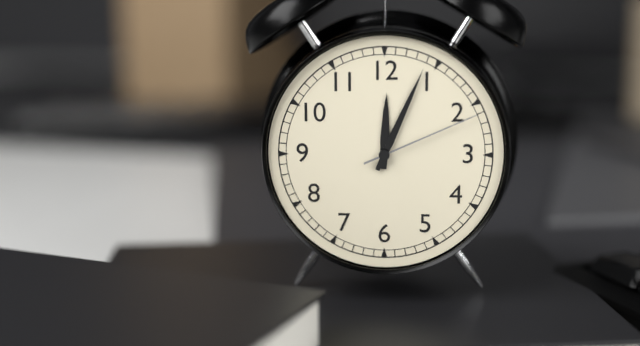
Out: {"hour": 12, "minute": 4, "second": 11}
